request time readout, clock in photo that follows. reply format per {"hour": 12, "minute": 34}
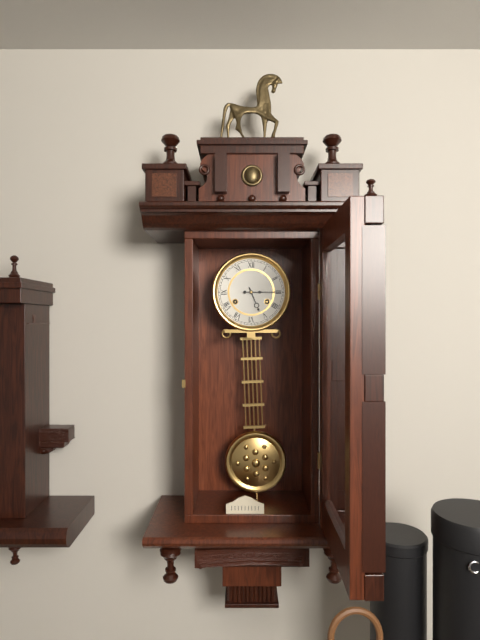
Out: {"hour": 5, "minute": 15}
